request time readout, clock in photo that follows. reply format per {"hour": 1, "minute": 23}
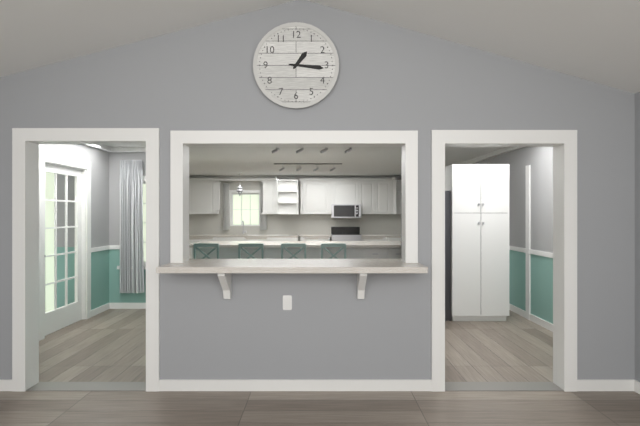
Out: {"hour": 1, "minute": 16}
